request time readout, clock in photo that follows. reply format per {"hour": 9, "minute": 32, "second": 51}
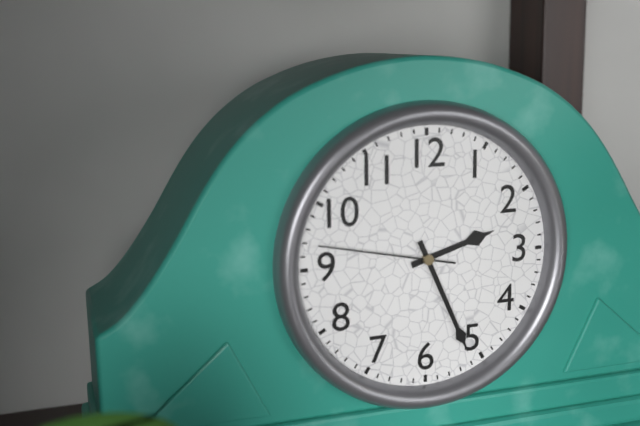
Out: {"hour": 2, "minute": 26, "second": 47}
